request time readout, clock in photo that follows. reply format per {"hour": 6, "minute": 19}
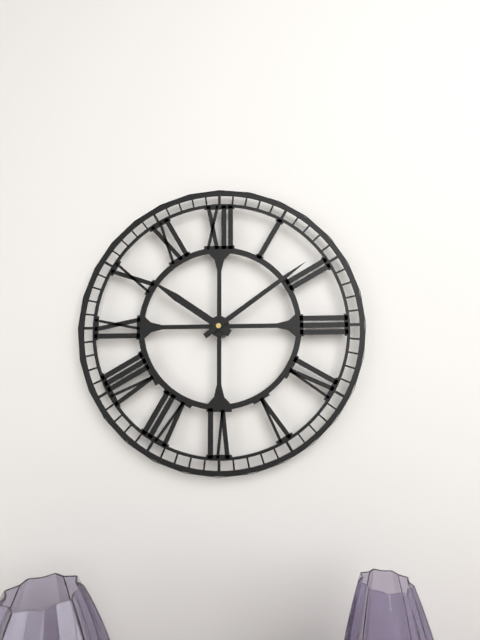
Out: {"hour": 10, "minute": 9}
